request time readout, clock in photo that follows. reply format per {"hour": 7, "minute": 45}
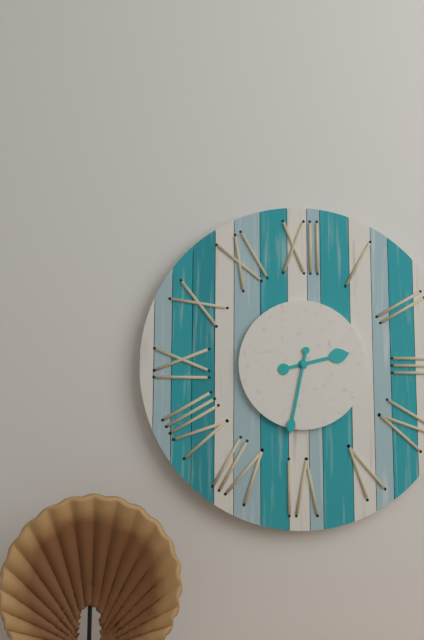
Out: {"hour": 2, "minute": 32}
